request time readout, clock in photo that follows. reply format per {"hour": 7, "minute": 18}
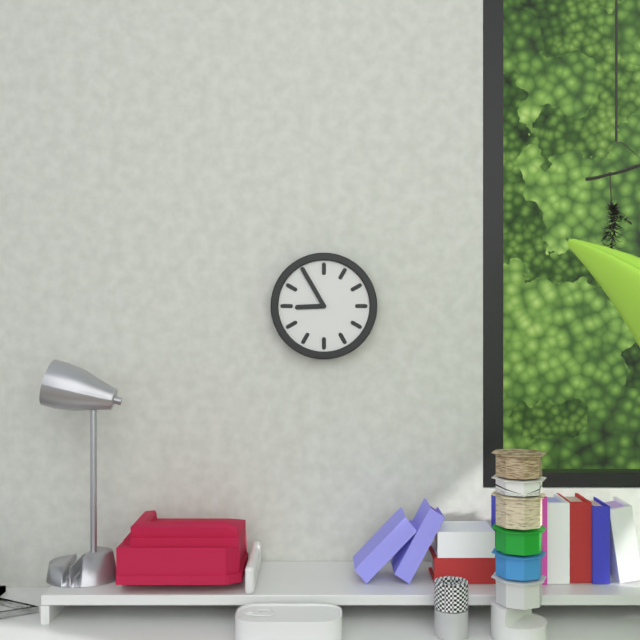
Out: {"hour": 8, "minute": 55}
